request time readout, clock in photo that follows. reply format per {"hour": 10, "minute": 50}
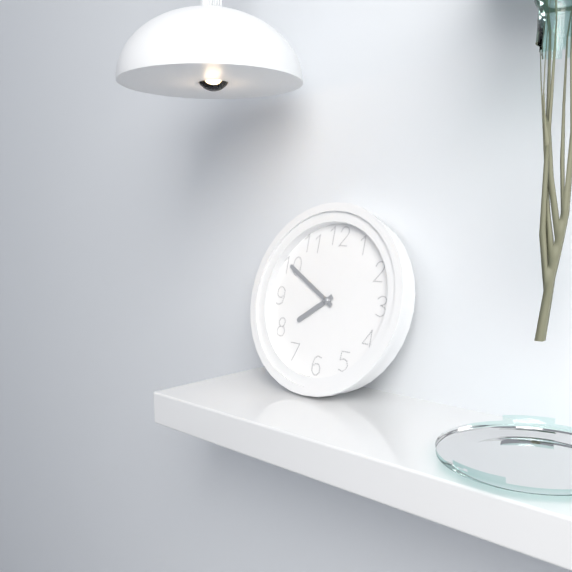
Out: {"hour": 7, "minute": 50}
